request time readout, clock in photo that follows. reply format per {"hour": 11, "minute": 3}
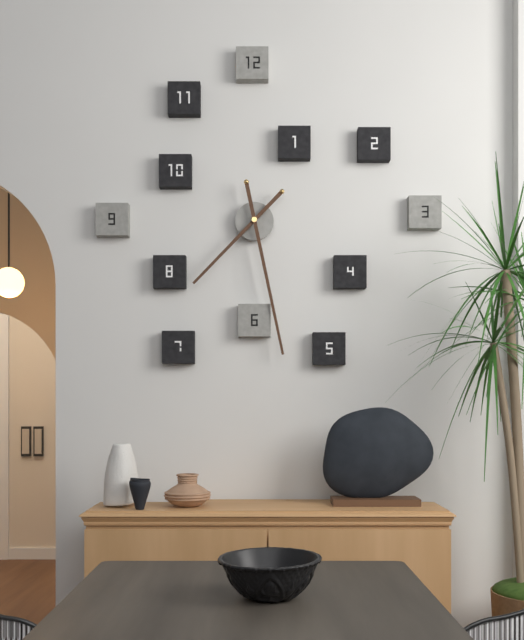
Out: {"hour": 7, "minute": 28}
